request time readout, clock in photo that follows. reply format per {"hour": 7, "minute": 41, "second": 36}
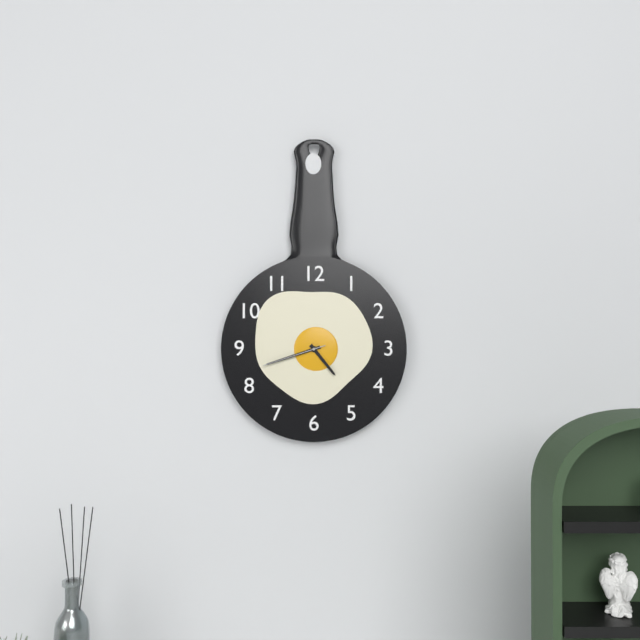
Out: {"hour": 4, "minute": 42, "second": 42}
